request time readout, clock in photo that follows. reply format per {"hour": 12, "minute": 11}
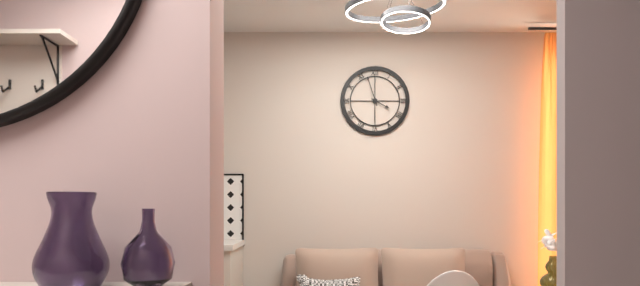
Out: {"hour": 3, "minute": 57}
